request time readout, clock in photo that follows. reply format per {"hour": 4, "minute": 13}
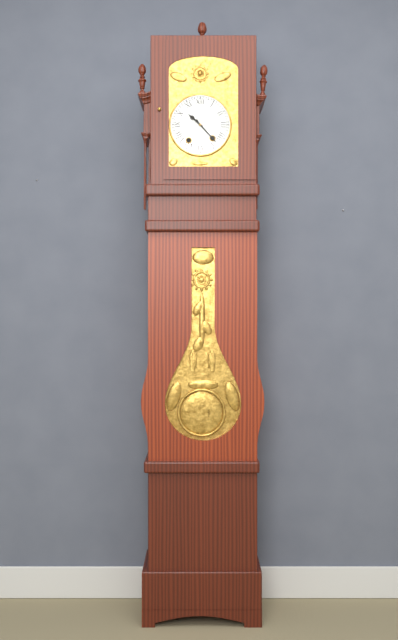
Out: {"hour": 10, "minute": 23}
